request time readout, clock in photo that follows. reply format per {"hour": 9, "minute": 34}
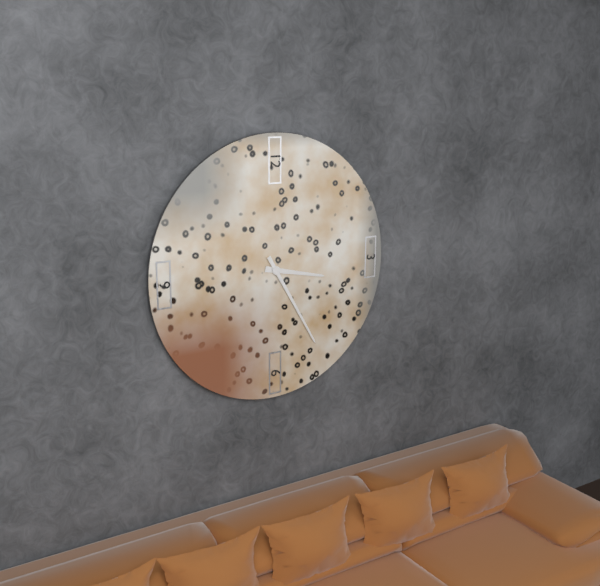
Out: {"hour": 3, "minute": 25}
